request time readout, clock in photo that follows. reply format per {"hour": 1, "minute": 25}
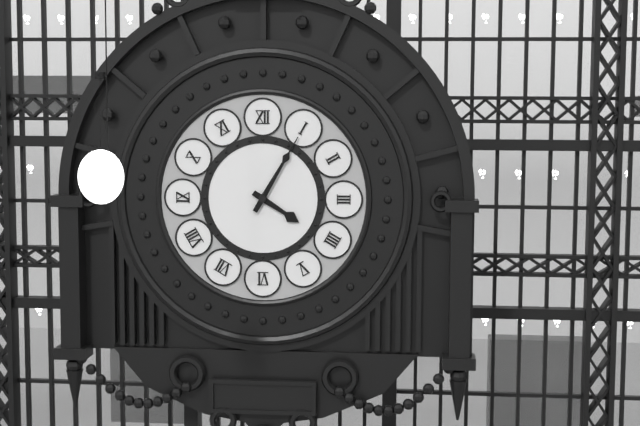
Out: {"hour": 4, "minute": 5}
